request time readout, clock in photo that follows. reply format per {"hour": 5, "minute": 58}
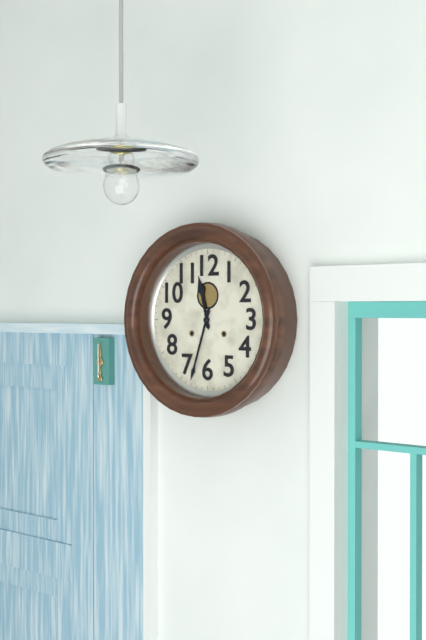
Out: {"hour": 11, "minute": 33}
